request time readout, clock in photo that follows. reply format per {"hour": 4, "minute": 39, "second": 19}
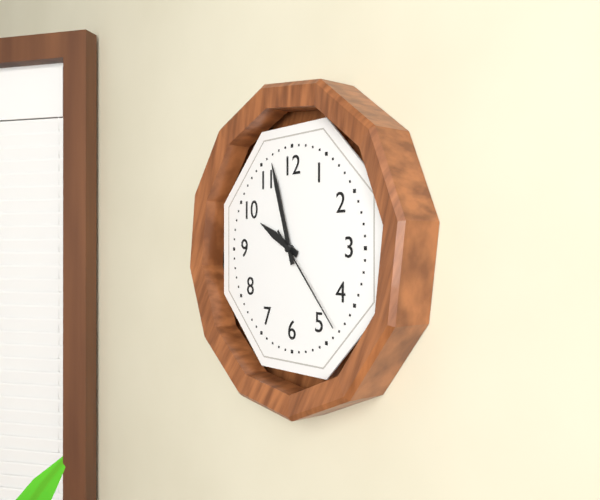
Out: {"hour": 9, "minute": 57, "second": 23}
